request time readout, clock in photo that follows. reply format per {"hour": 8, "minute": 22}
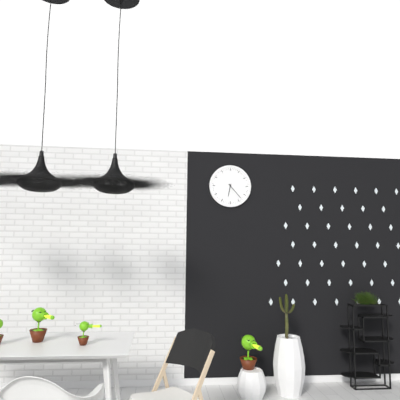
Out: {"hour": 6, "minute": 23}
